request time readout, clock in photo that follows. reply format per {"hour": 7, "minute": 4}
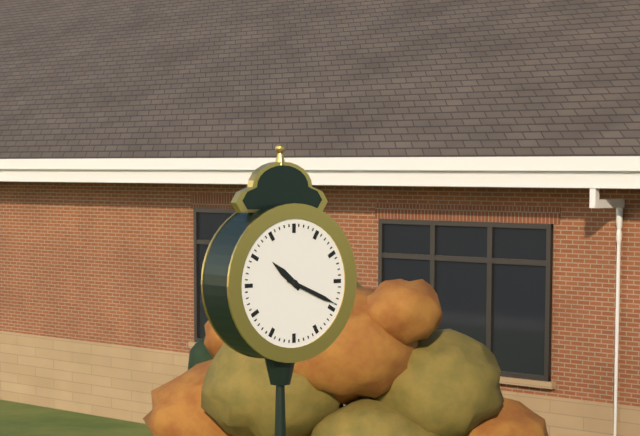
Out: {"hour": 10, "minute": 19}
